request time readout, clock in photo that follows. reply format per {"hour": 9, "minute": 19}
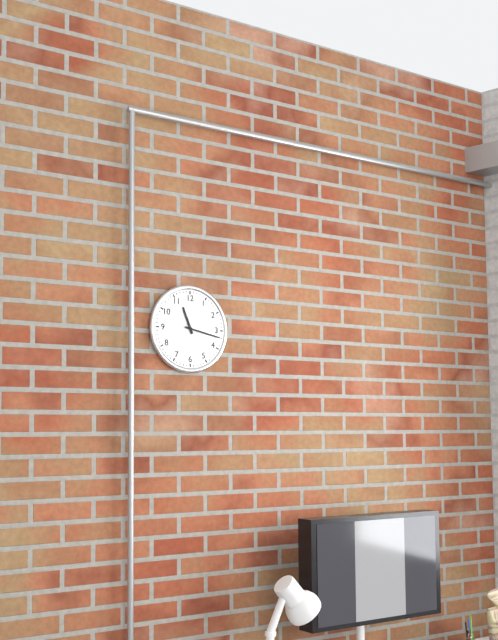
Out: {"hour": 11, "minute": 17}
